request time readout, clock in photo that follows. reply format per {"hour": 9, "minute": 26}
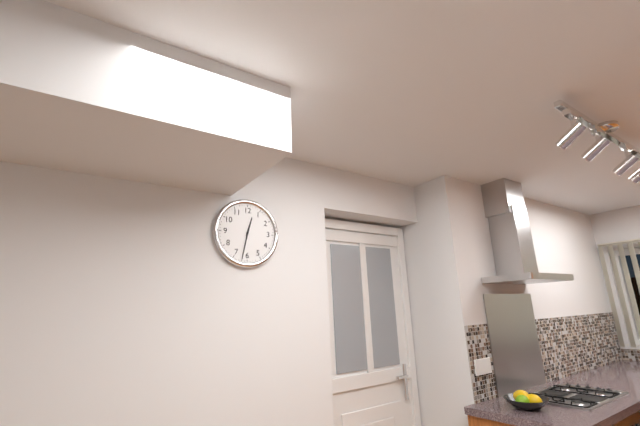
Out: {"hour": 12, "minute": 32}
